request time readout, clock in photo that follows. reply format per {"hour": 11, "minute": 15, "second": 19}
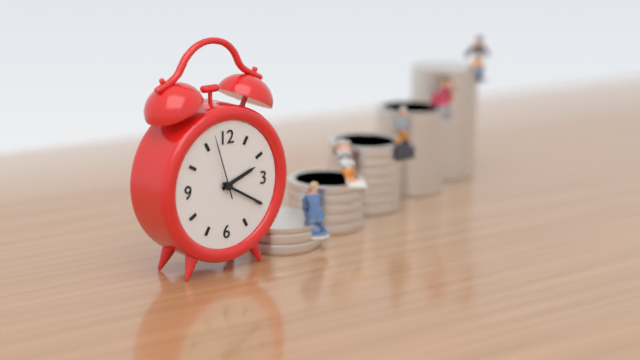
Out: {"hour": 2, "minute": 20, "second": 57}
